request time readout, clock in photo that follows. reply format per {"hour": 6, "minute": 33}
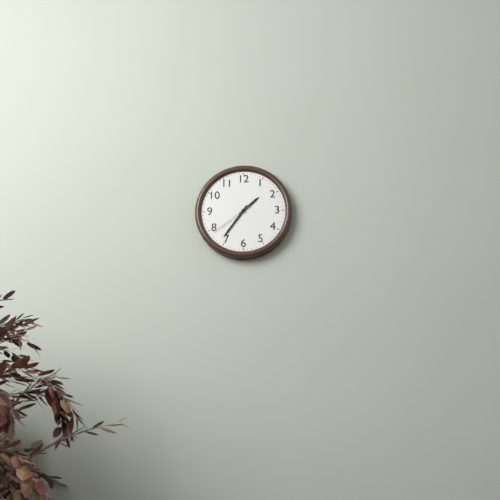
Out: {"hour": 1, "minute": 36}
